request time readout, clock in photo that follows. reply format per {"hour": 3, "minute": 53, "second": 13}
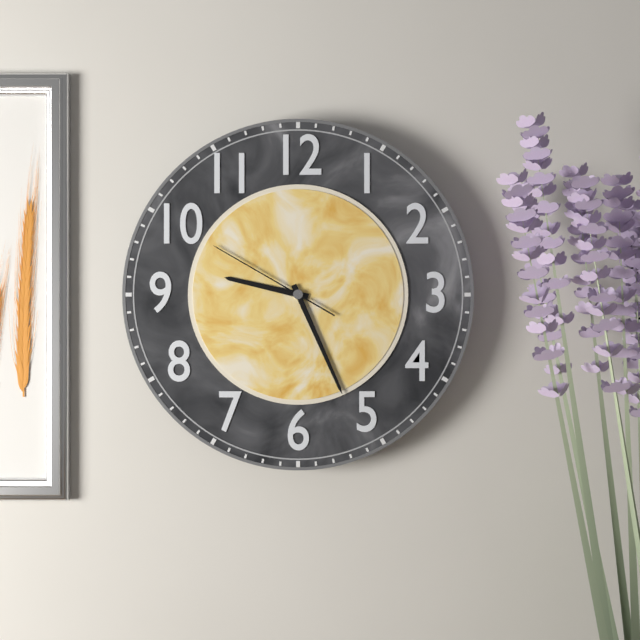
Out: {"hour": 9, "minute": 26, "second": 50}
